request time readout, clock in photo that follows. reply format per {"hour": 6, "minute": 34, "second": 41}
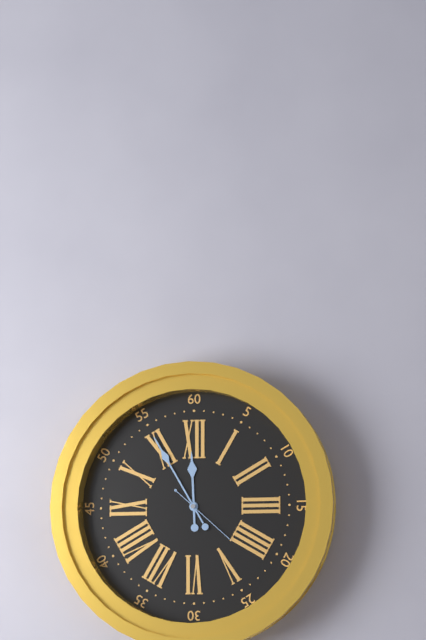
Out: {"hour": 11, "minute": 55, "second": 22}
